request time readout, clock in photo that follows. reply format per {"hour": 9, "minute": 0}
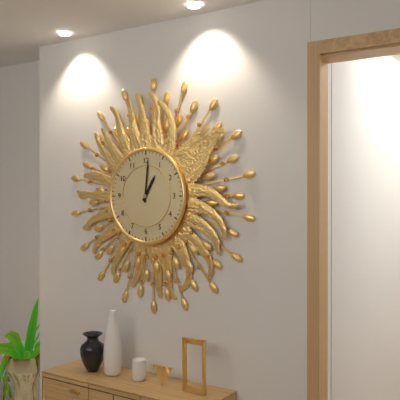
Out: {"hour": 1, "minute": 1}
